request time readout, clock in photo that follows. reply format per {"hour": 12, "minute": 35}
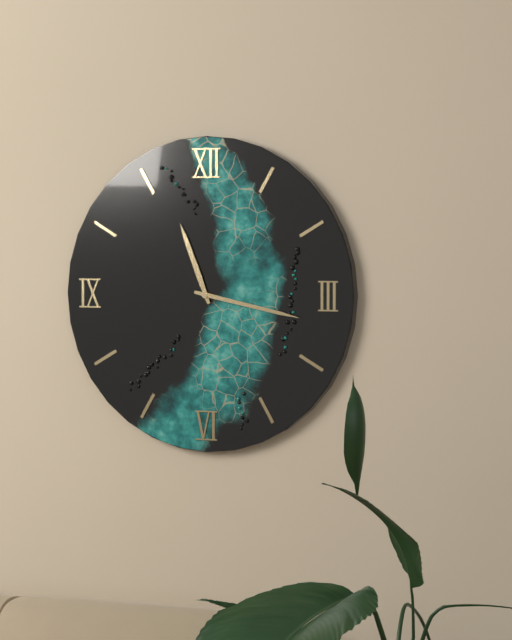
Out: {"hour": 11, "minute": 17}
